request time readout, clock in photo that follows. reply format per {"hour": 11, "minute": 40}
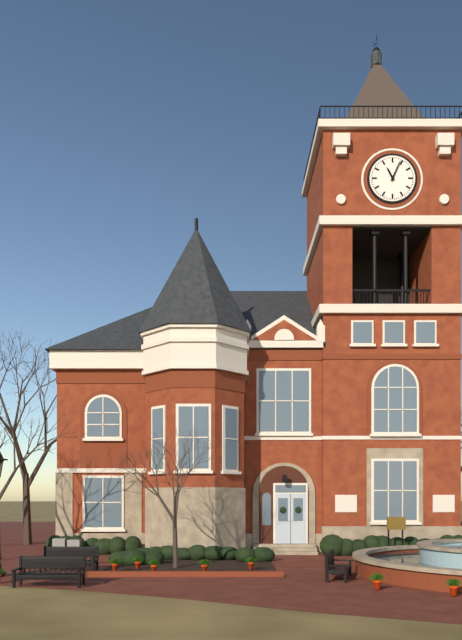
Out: {"hour": 11, "minute": 4}
